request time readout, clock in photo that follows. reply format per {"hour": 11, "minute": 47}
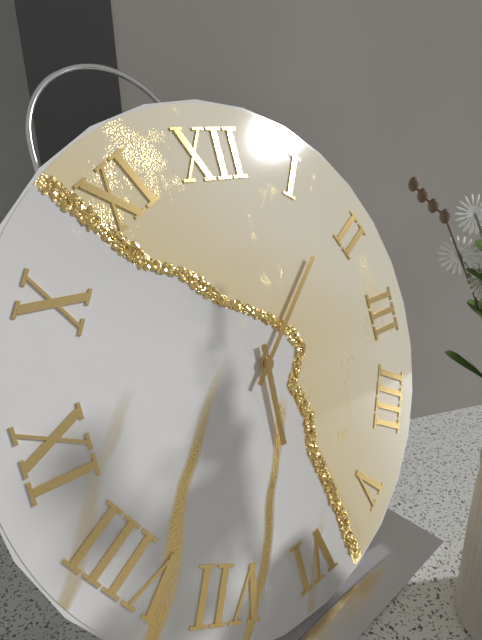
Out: {"hour": 6, "minute": 8}
